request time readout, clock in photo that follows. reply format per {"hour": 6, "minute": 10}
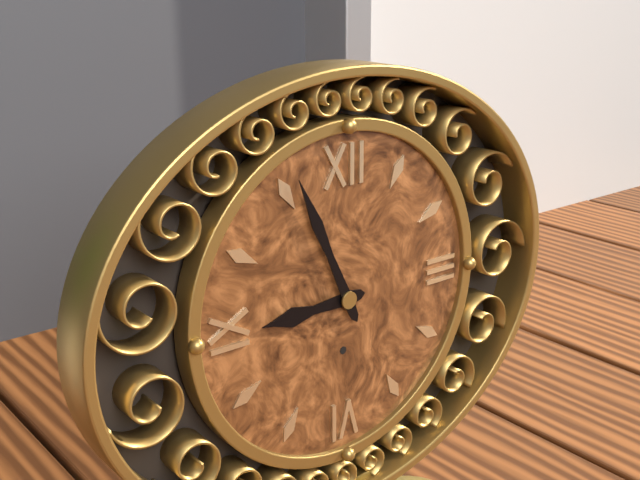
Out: {"hour": 8, "minute": 56}
